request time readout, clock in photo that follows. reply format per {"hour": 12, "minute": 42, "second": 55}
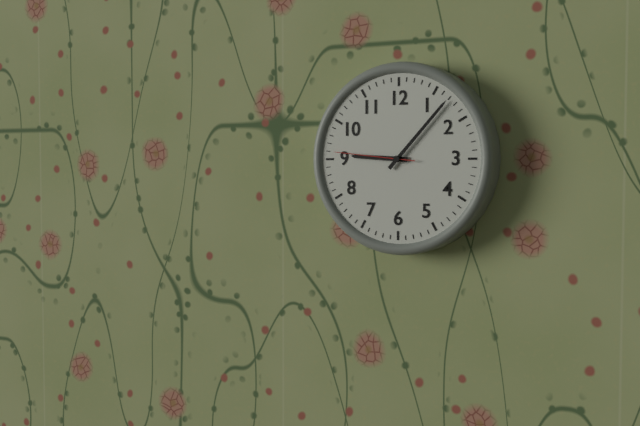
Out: {"hour": 9, "minute": 7, "second": 46}
